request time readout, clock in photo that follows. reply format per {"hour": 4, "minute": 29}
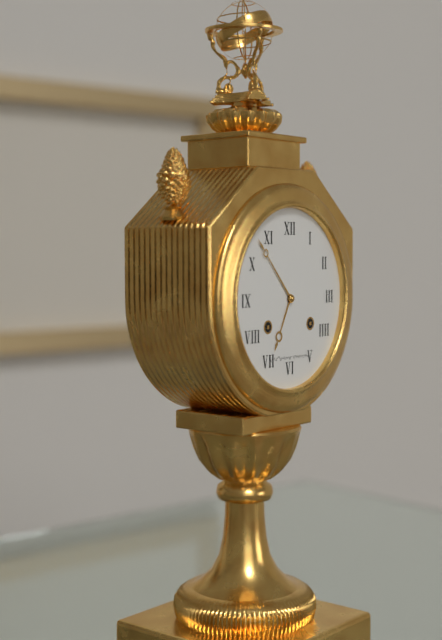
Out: {"hour": 6, "minute": 53}
